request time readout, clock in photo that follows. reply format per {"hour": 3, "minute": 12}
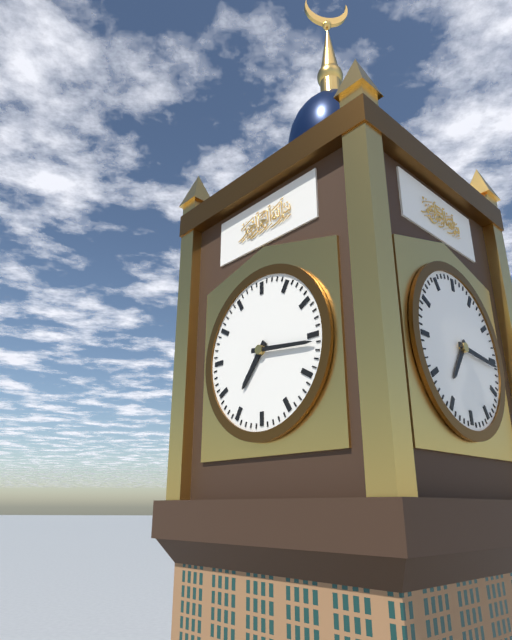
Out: {"hour": 7, "minute": 16}
